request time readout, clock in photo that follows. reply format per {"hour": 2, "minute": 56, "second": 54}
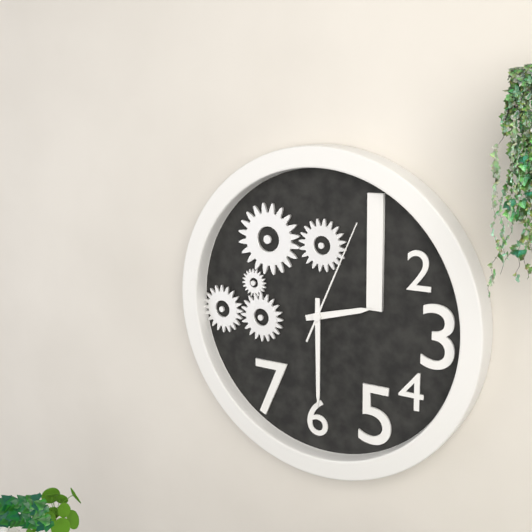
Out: {"hour": 2, "minute": 30, "second": 4}
